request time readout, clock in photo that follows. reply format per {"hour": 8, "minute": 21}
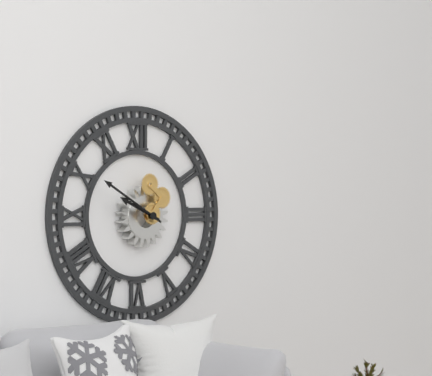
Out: {"hour": 9, "minute": 50}
